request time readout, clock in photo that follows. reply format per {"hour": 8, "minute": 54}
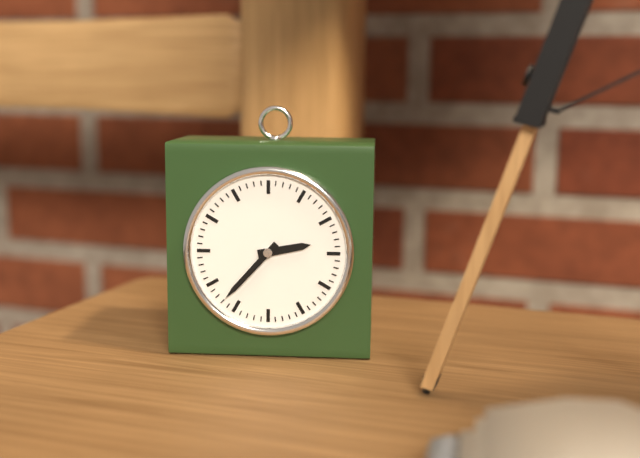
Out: {"hour": 2, "minute": 37}
